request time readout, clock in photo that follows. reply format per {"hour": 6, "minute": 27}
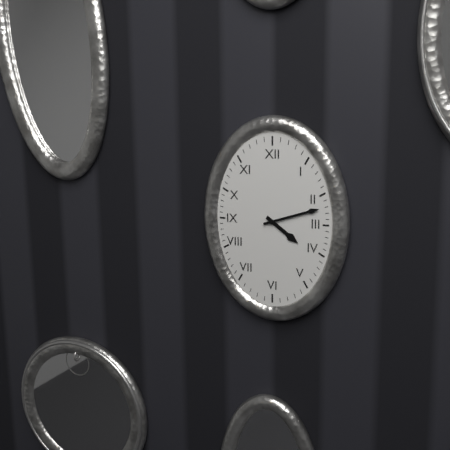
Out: {"hour": 4, "minute": 12}
